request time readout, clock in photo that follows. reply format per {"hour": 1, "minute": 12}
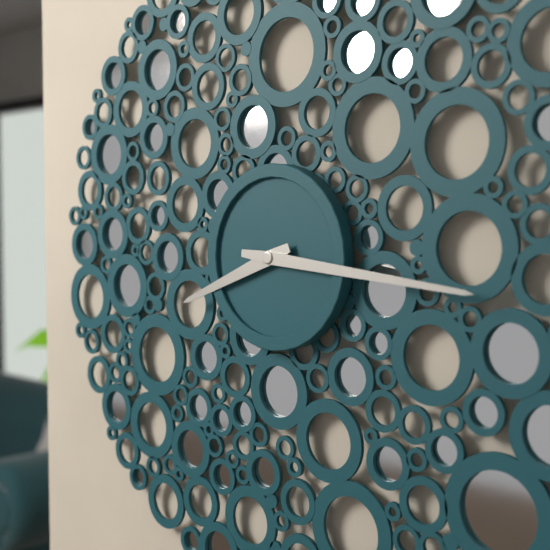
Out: {"hour": 8, "minute": 16}
